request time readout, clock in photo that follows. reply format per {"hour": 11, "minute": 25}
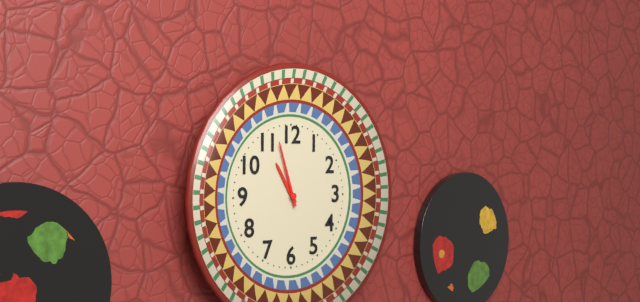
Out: {"hour": 10, "minute": 57}
